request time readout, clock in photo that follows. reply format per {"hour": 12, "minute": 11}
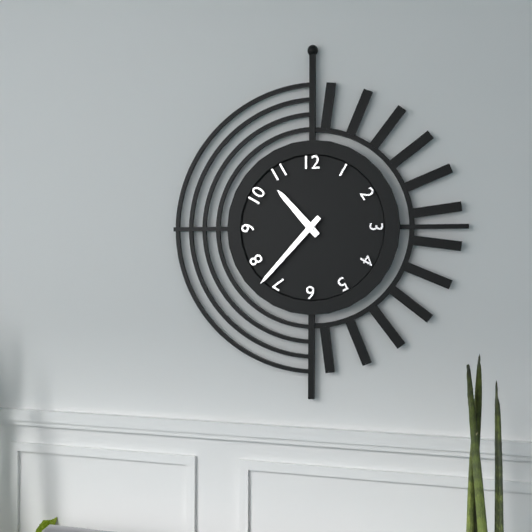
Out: {"hour": 10, "minute": 37}
